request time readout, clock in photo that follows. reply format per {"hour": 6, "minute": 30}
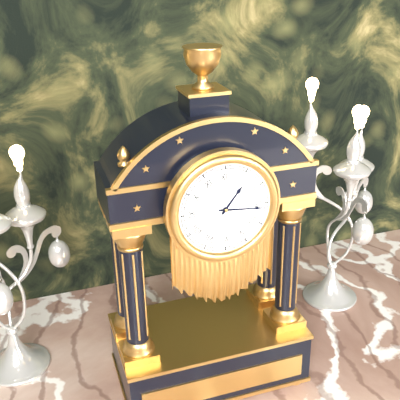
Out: {"hour": 1, "minute": 16}
